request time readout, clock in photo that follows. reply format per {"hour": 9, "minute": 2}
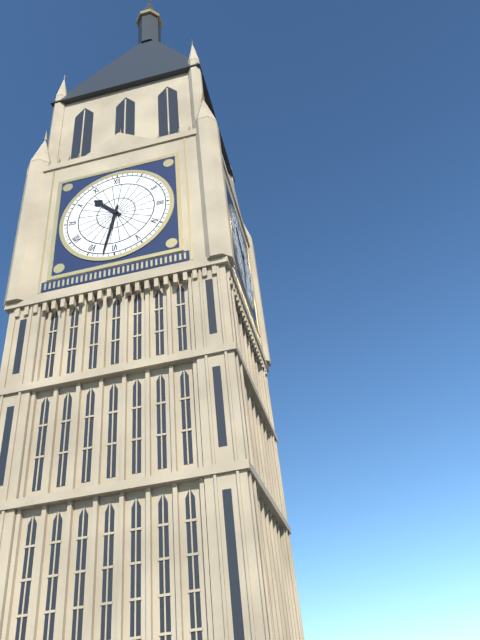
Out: {"hour": 10, "minute": 32}
